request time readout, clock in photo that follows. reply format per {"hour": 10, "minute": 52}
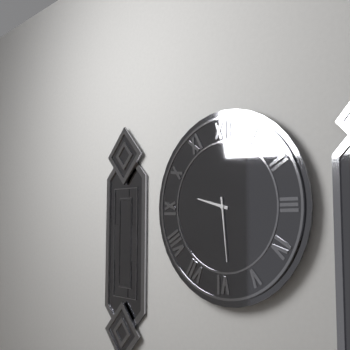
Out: {"hour": 9, "minute": 29}
